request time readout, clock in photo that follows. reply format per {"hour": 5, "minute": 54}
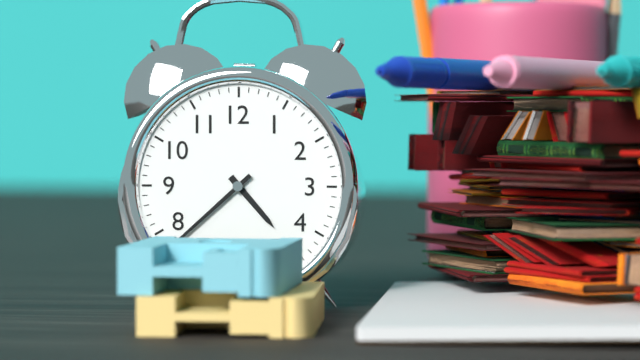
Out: {"hour": 4, "minute": 38}
